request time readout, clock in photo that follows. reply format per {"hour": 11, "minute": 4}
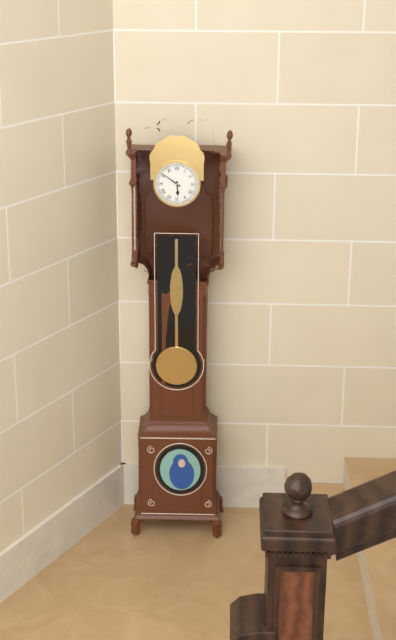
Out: {"hour": 5, "minute": 51}
